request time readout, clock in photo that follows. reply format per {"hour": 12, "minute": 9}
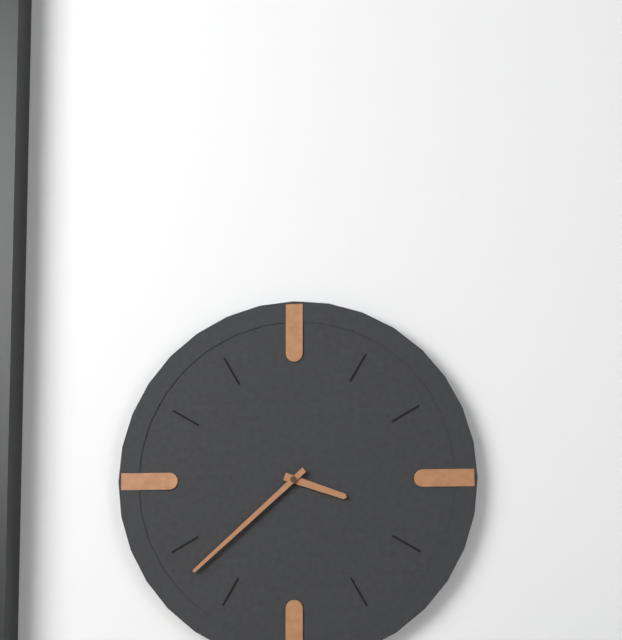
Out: {"hour": 3, "minute": 38}
